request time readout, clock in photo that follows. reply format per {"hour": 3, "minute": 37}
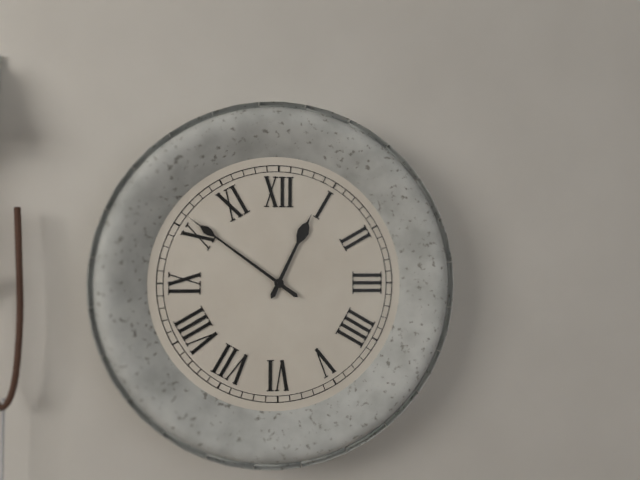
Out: {"hour": 12, "minute": 51}
